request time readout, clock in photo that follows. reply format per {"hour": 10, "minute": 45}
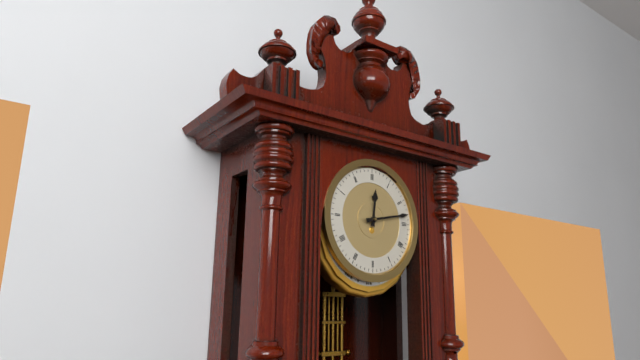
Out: {"hour": 12, "minute": 13}
